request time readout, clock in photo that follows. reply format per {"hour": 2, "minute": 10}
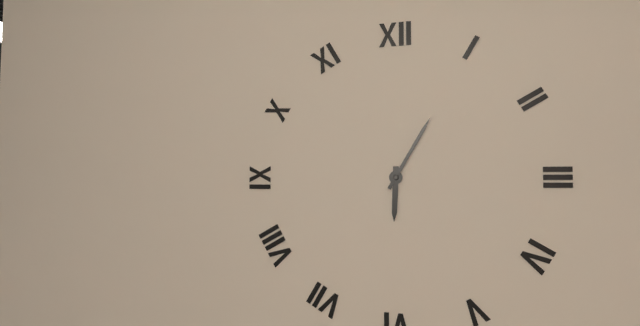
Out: {"hour": 6, "minute": 5}
